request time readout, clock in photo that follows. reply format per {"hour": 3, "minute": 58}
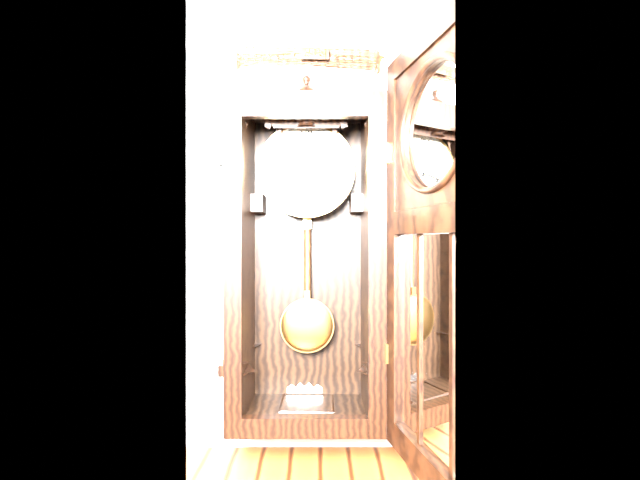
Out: {"hour": 3, "minute": 43}
